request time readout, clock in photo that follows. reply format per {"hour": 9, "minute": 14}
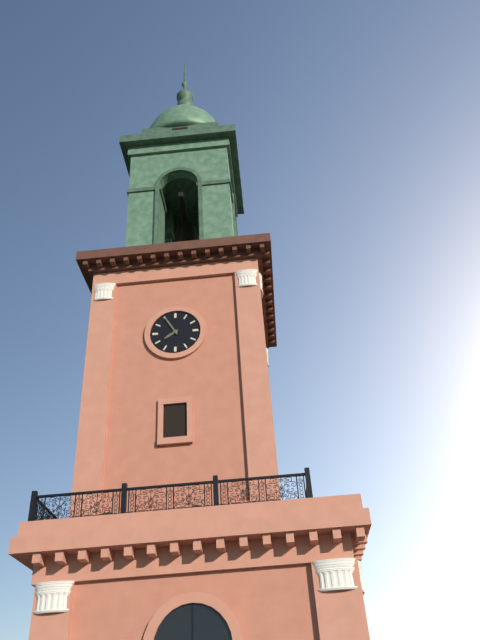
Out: {"hour": 7, "minute": 55}
